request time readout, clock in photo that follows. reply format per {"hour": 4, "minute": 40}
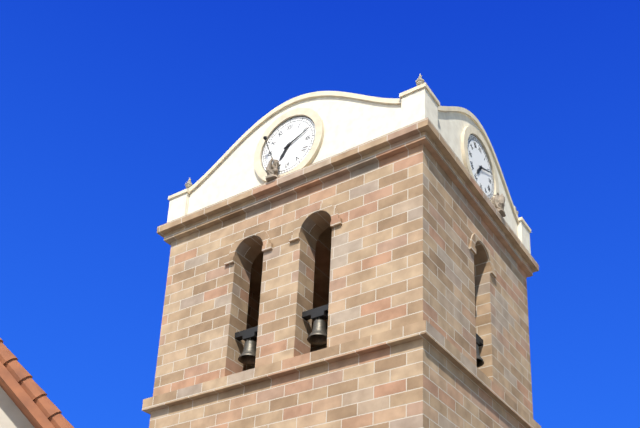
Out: {"hour": 7, "minute": 11}
